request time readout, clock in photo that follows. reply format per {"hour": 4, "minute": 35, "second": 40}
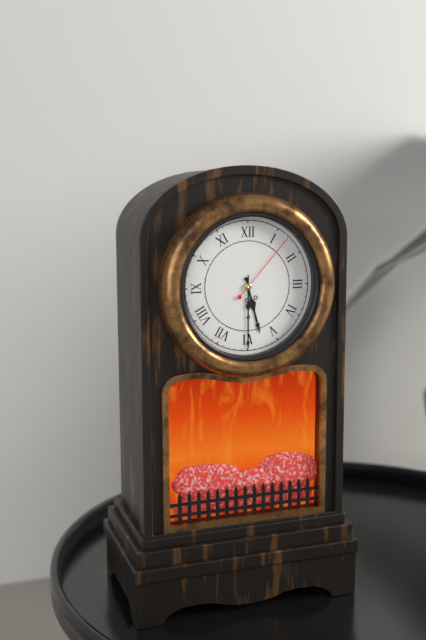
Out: {"hour": 5, "minute": 30, "second": 7}
